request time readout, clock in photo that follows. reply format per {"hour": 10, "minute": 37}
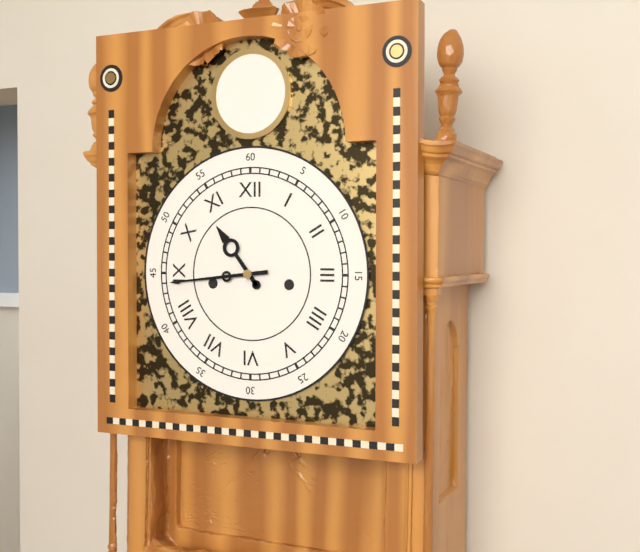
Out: {"hour": 10, "minute": 44}
